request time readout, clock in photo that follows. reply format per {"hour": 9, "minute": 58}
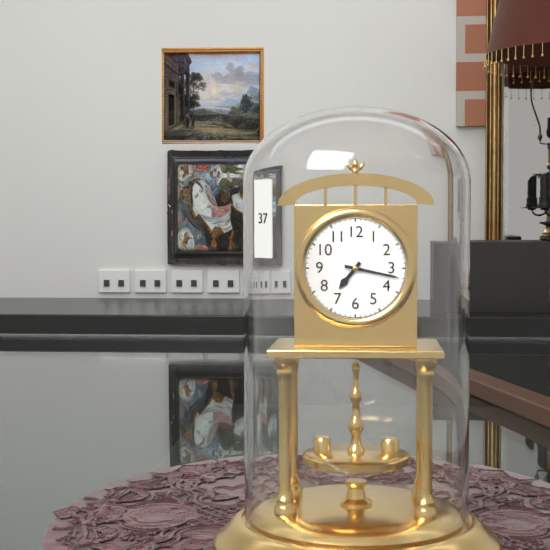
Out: {"hour": 7, "minute": 17}
